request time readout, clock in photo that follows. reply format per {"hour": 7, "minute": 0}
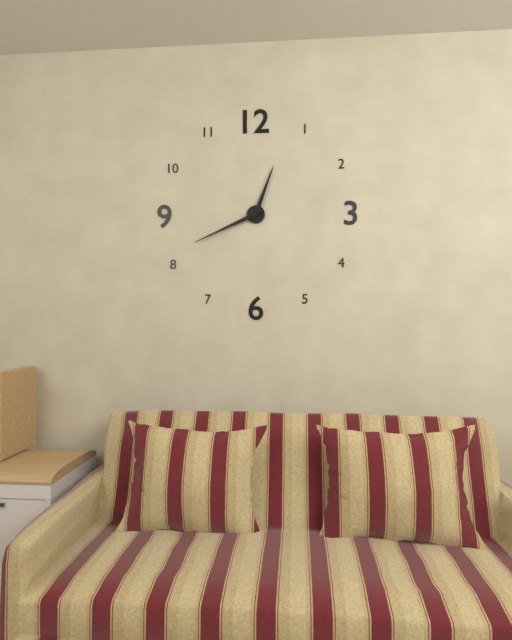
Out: {"hour": 12, "minute": 41}
